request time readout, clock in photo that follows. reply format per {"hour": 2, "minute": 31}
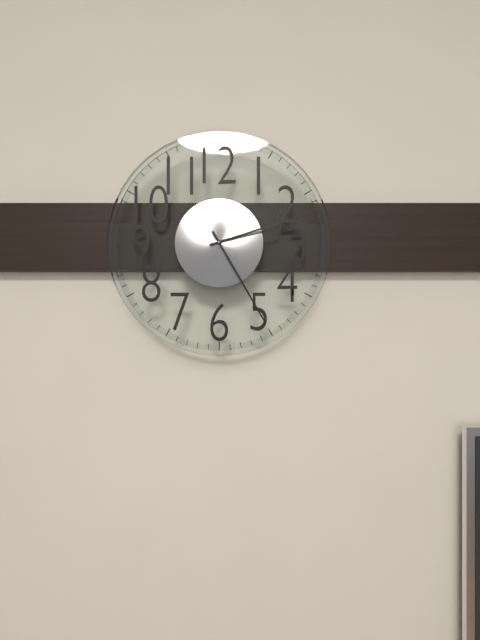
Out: {"hour": 2, "minute": 25}
